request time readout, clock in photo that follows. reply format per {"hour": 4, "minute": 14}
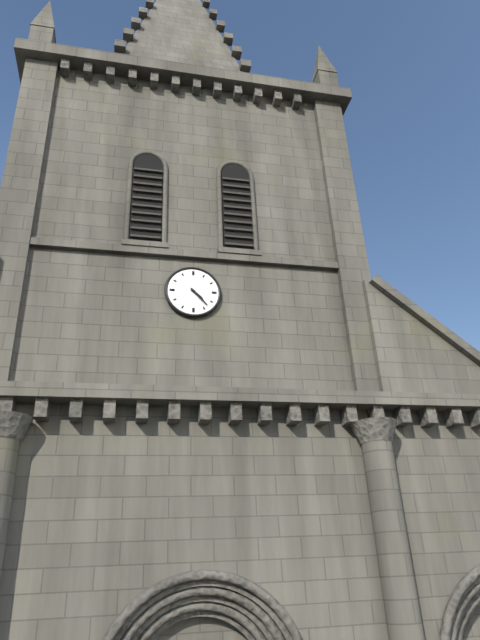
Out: {"hour": 4, "minute": 23}
